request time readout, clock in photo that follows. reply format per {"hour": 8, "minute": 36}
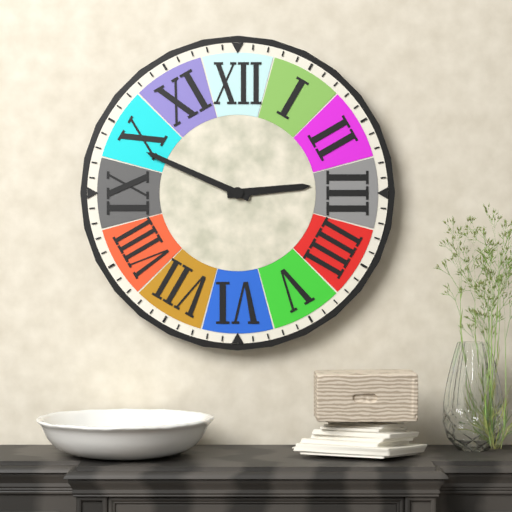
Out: {"hour": 2, "minute": 49}
